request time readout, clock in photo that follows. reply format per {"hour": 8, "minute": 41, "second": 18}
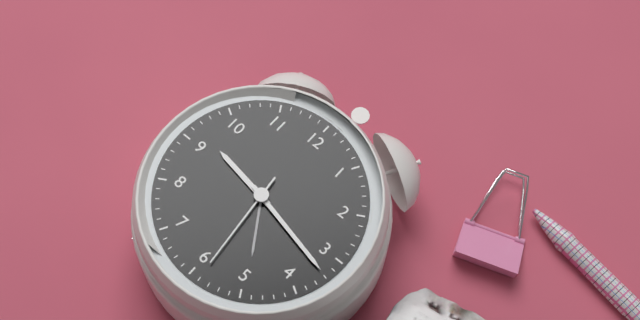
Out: {"hour": 9, "minute": 17, "second": 29}
